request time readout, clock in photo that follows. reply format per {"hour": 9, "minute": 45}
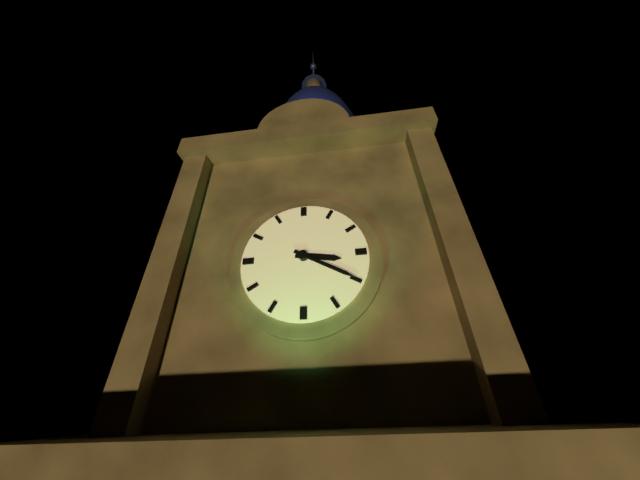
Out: {"hour": 3, "minute": 20}
